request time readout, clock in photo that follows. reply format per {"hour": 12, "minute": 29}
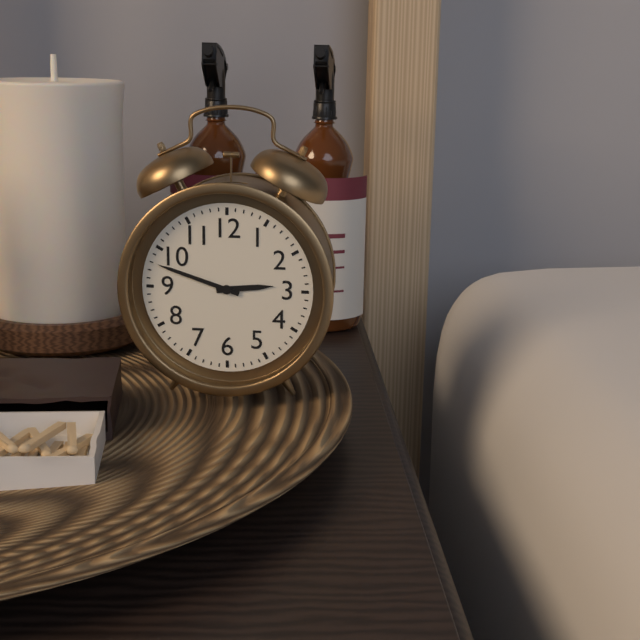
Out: {"hour": 2, "minute": 48}
